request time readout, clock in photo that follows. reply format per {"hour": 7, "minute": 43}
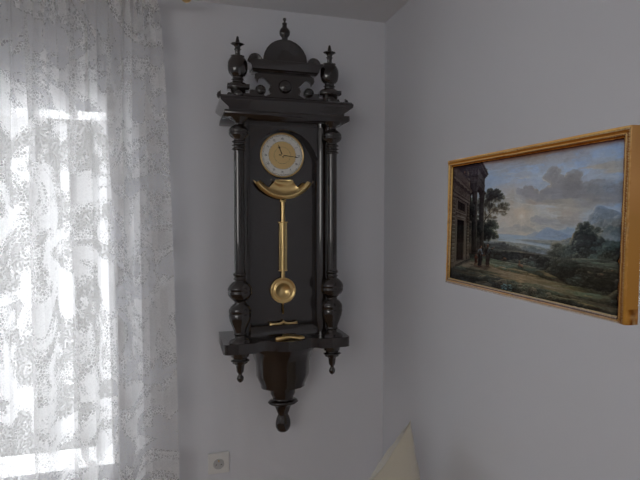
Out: {"hour": 11, "minute": 16}
